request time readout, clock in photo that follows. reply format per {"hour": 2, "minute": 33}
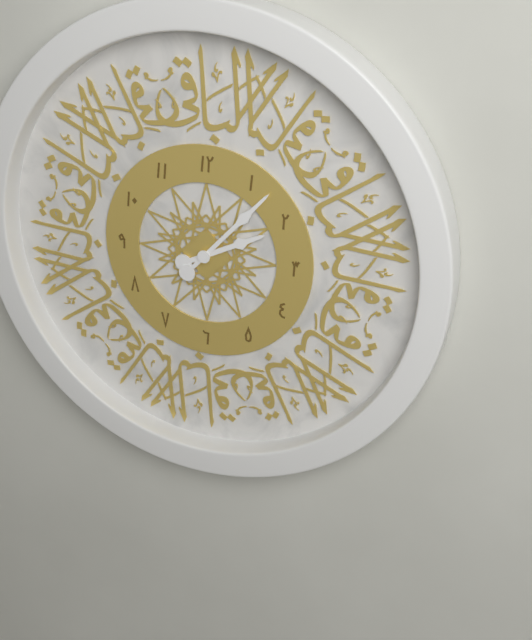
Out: {"hour": 2, "minute": 7}
